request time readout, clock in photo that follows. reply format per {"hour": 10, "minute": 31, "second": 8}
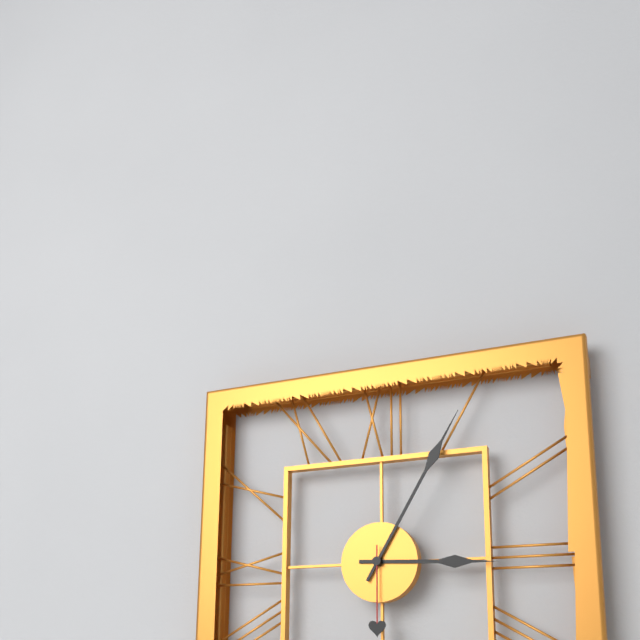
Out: {"hour": 3, "minute": 5, "second": 30}
